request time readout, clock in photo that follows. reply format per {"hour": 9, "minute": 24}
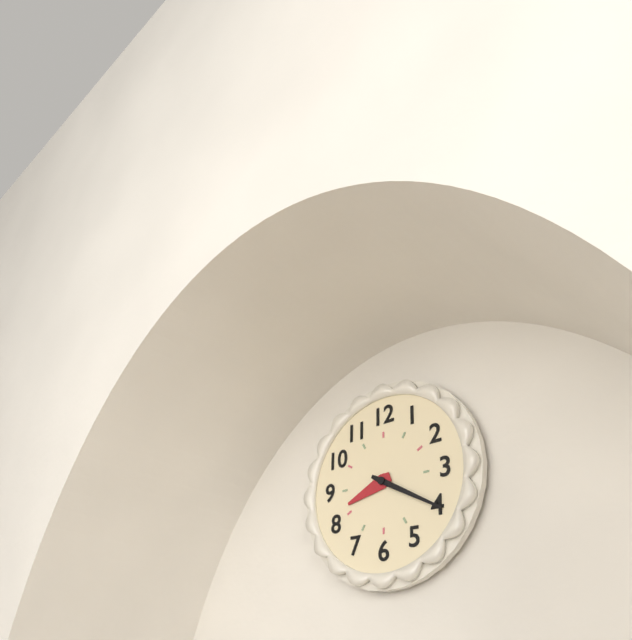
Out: {"hour": 8, "minute": 20}
